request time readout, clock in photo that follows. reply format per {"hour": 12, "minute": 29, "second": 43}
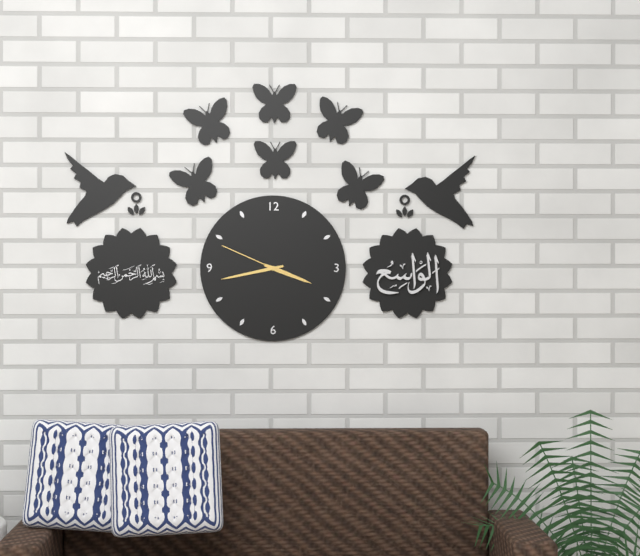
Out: {"hour": 3, "minute": 43, "second": 49}
